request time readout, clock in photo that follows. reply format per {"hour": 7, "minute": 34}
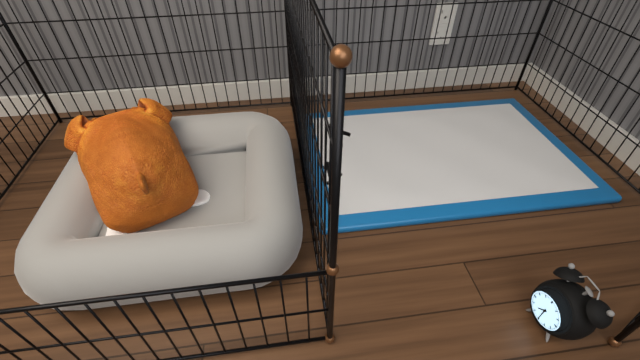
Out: {"hour": 7, "minute": 30}
